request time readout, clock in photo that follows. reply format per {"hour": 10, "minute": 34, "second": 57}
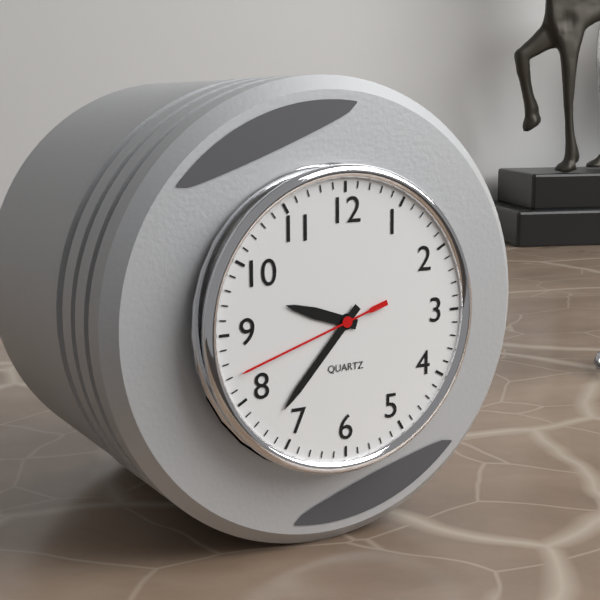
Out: {"hour": 9, "minute": 37, "second": 42}
